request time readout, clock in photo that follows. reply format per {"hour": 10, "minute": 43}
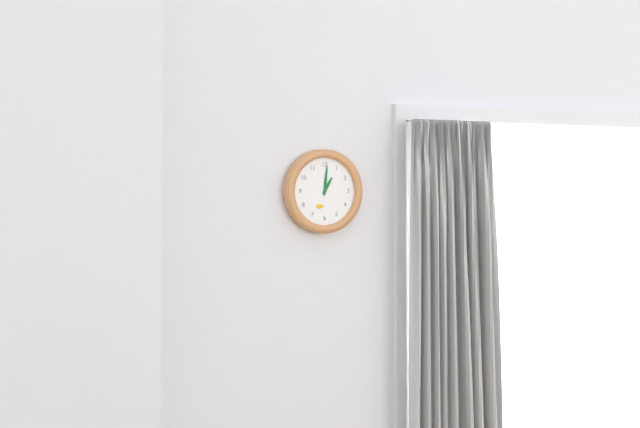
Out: {"hour": 1, "minute": 1}
